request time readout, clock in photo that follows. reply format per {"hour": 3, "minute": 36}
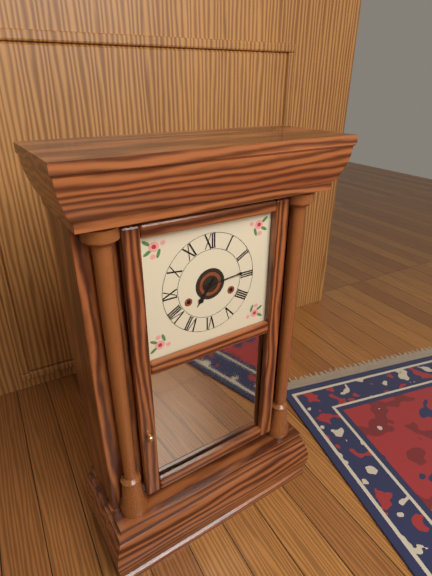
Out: {"hour": 7, "minute": 14}
